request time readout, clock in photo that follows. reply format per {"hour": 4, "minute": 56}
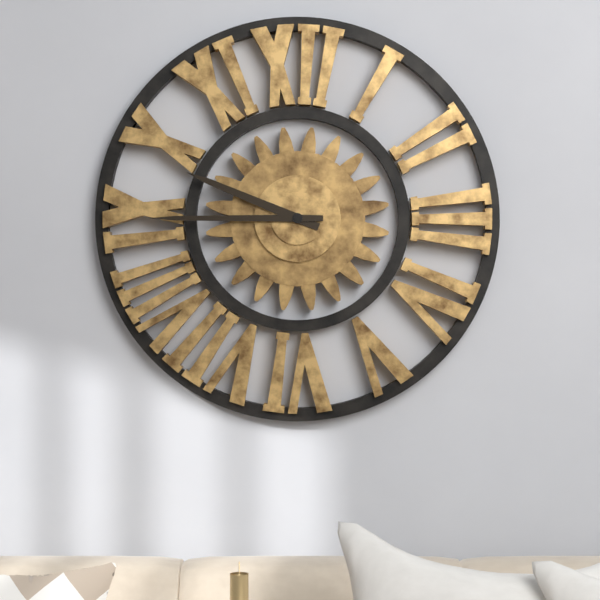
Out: {"hour": 9, "minute": 45}
